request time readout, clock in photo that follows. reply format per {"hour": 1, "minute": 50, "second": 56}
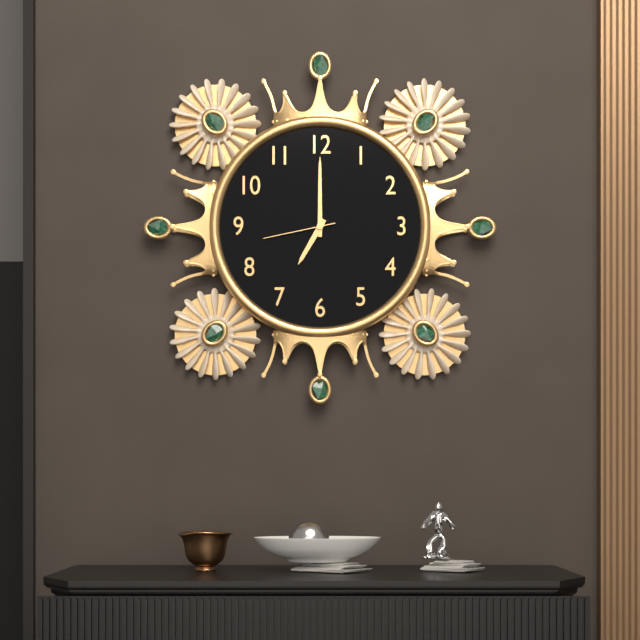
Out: {"hour": 7, "minute": 0, "second": 43}
